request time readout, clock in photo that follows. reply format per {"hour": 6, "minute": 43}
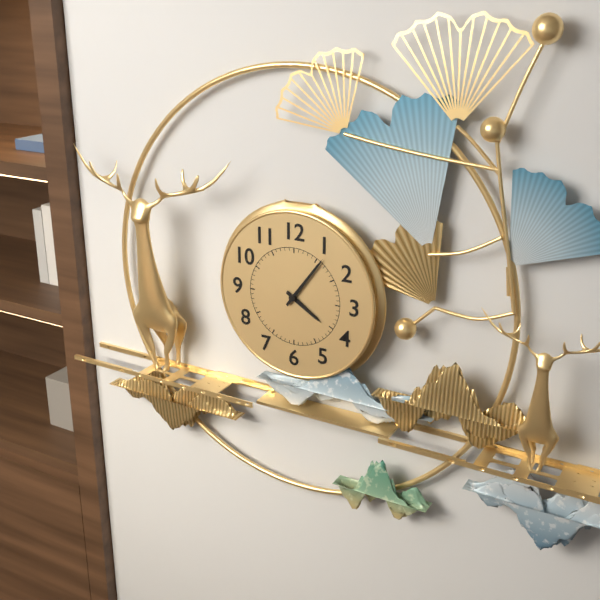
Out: {"hour": 4, "minute": 6}
